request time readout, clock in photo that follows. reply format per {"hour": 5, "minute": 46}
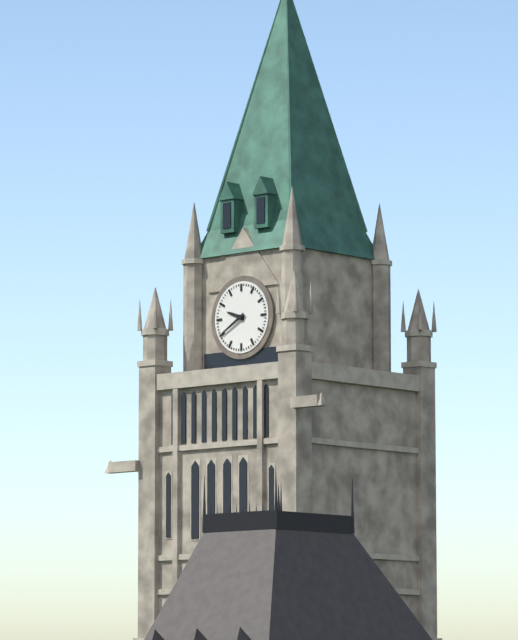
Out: {"hour": 9, "minute": 40}
